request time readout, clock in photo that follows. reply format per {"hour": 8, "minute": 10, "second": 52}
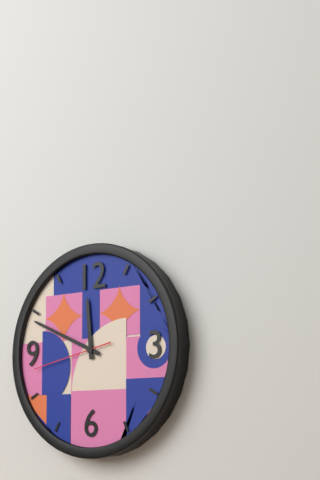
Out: {"hour": 11, "minute": 49, "second": 43}
